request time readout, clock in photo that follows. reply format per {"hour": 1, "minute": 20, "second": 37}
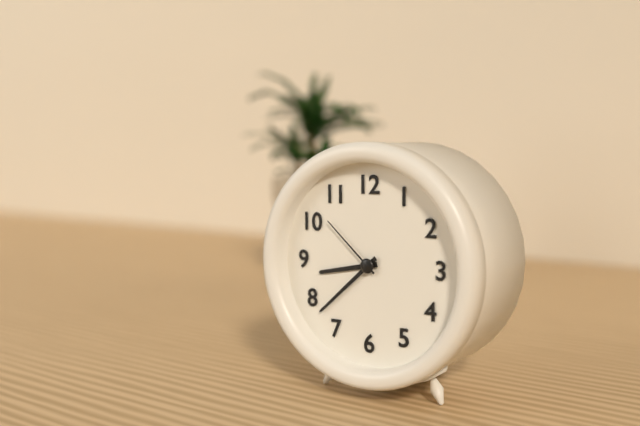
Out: {"hour": 8, "minute": 38, "second": 52}
